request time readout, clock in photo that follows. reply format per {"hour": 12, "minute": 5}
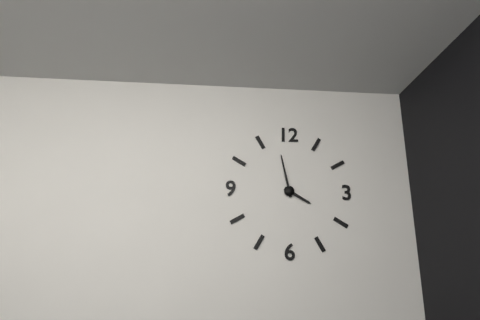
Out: {"hour": 3, "minute": 58}
